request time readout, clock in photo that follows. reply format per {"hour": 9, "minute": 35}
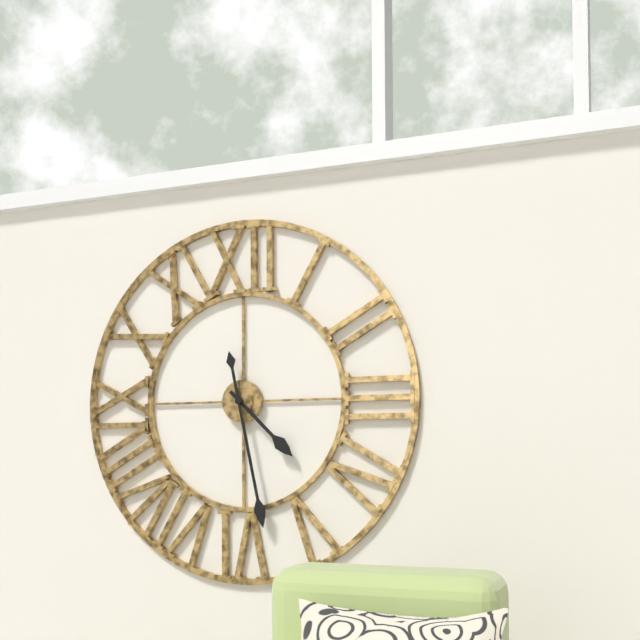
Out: {"hour": 4, "minute": 28}
